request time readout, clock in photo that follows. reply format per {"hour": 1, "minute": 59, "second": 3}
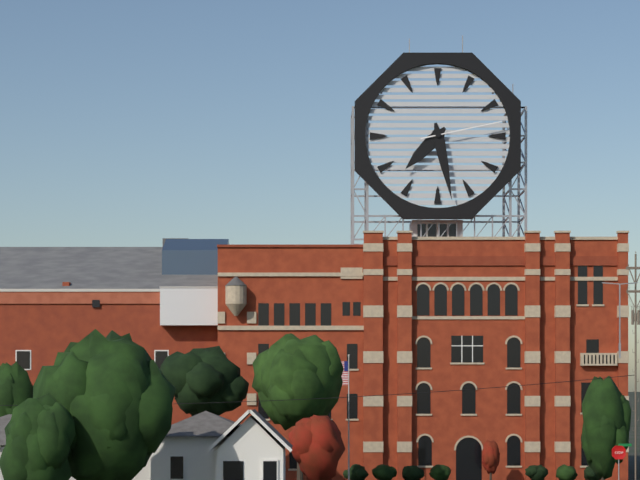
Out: {"hour": 7, "minute": 28, "second": 13}
